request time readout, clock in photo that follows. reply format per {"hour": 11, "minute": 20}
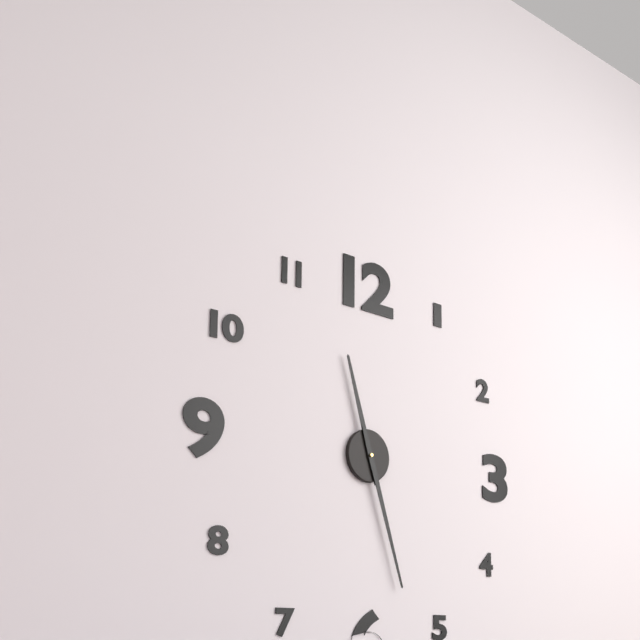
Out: {"hour": 11, "minute": 27}
